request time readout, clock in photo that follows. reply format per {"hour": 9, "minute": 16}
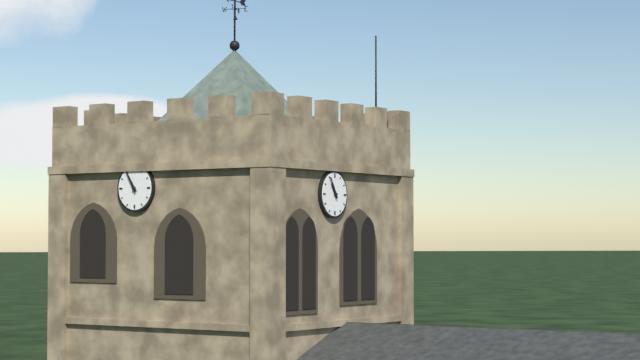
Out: {"hour": 10, "minute": 55}
